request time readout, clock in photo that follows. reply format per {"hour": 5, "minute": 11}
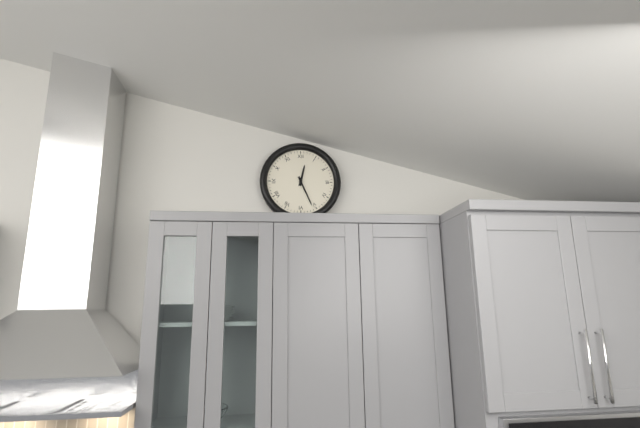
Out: {"hour": 12, "minute": 26}
